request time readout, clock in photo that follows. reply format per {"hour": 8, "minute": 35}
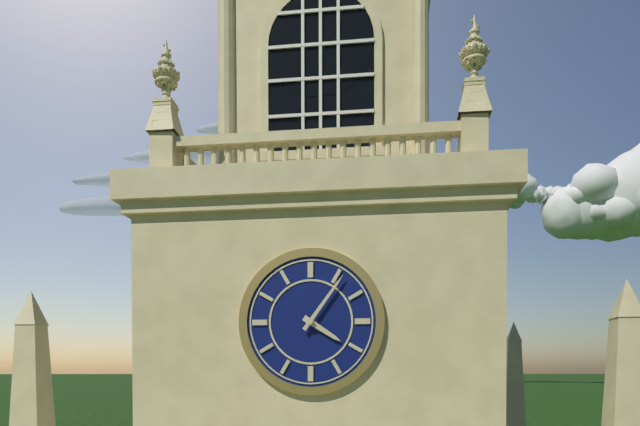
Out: {"hour": 4, "minute": 6}
